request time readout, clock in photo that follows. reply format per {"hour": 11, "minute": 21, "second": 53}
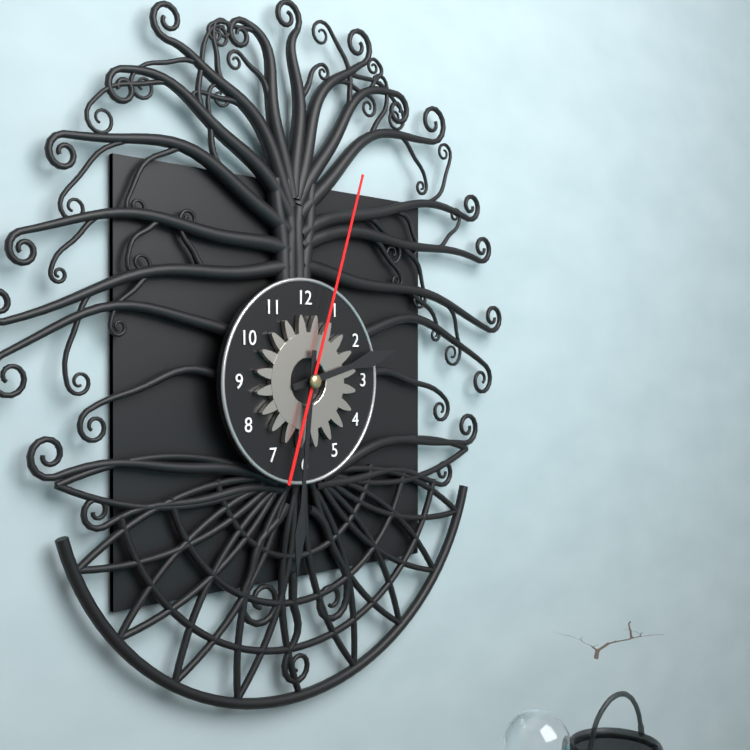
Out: {"hour": 2, "minute": 31, "second": 3}
